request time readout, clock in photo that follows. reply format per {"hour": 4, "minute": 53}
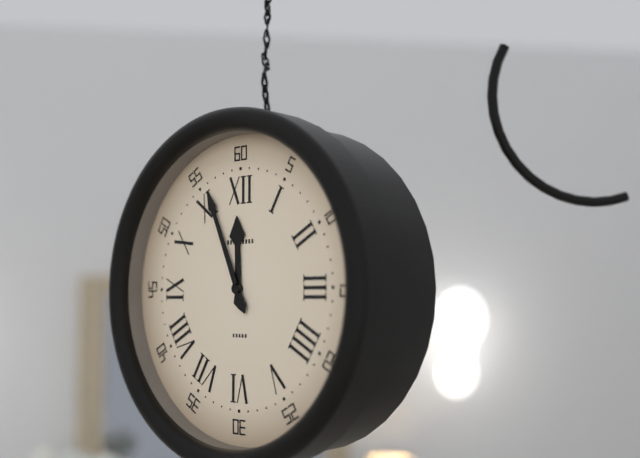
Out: {"hour": 11, "minute": 56}
